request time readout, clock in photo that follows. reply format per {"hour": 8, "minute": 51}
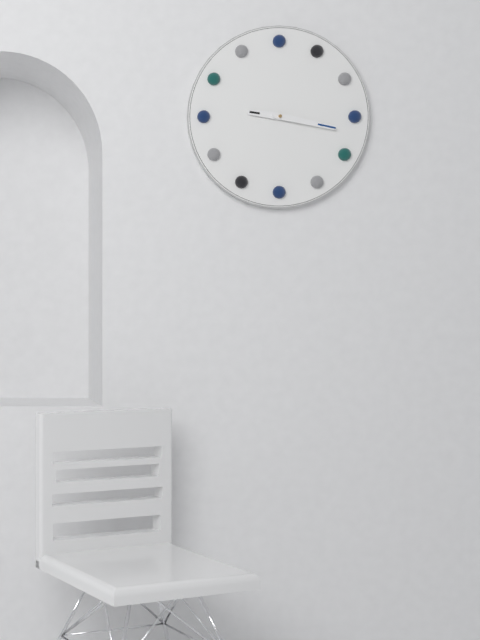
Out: {"hour": 9, "minute": 17}
